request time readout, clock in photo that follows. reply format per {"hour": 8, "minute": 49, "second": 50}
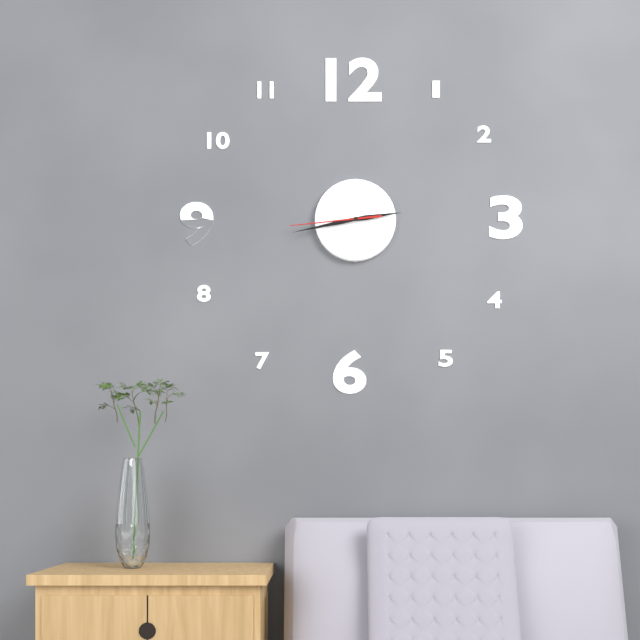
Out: {"hour": 2, "minute": 43, "second": 44}
